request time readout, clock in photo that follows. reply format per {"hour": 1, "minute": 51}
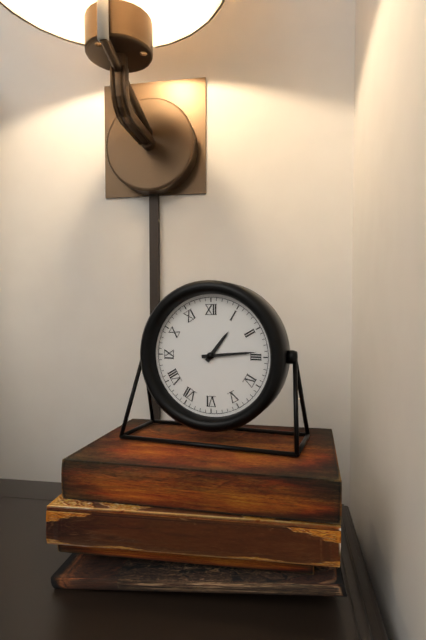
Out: {"hour": 1, "minute": 14}
